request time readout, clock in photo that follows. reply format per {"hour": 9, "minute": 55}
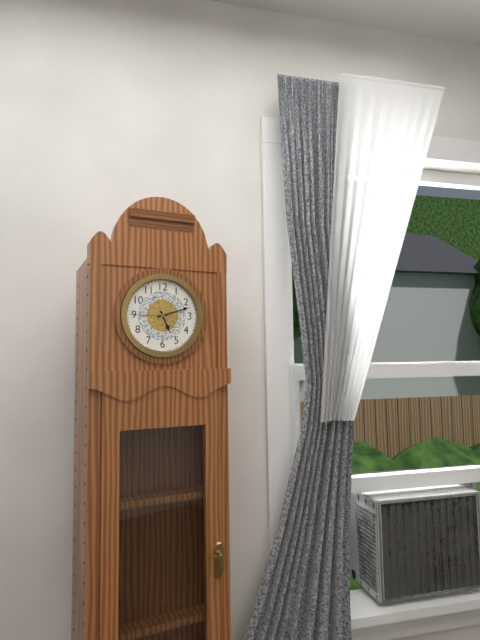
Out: {"hour": 5, "minute": 12}
